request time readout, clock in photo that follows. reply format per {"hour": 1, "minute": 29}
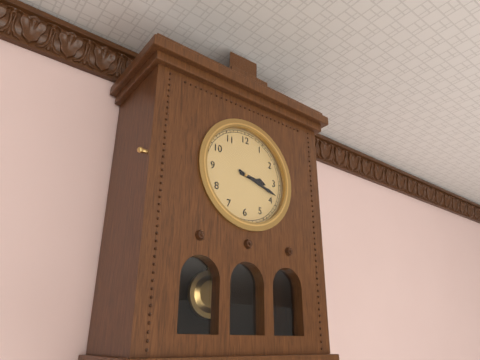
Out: {"hour": 3, "minute": 18}
